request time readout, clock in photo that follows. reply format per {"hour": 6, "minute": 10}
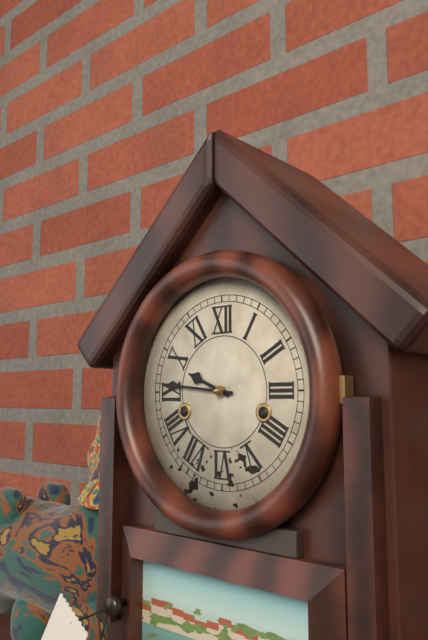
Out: {"hour": 9, "minute": 46}
